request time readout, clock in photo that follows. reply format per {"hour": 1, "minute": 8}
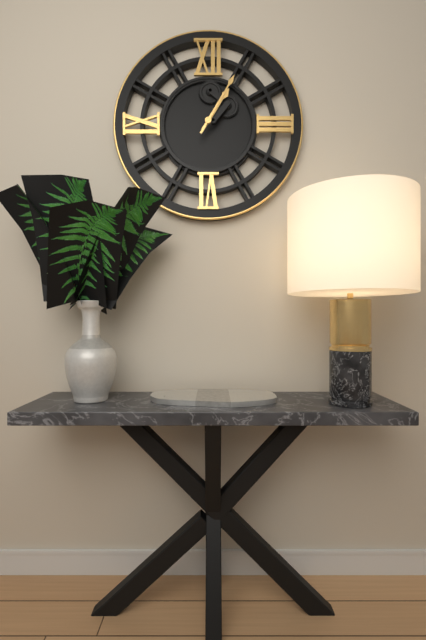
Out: {"hour": 1, "minute": 5}
